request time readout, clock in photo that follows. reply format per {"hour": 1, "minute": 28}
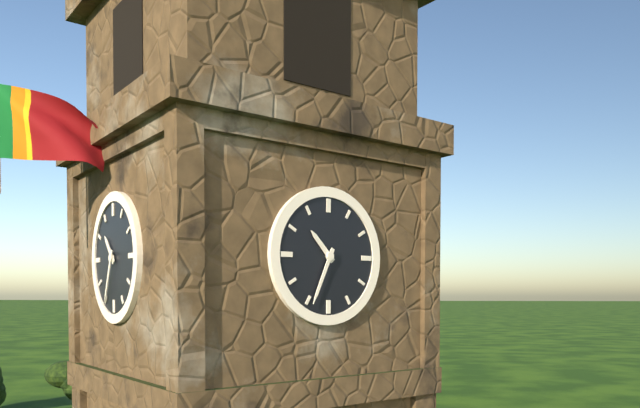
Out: {"hour": 10, "minute": 34}
